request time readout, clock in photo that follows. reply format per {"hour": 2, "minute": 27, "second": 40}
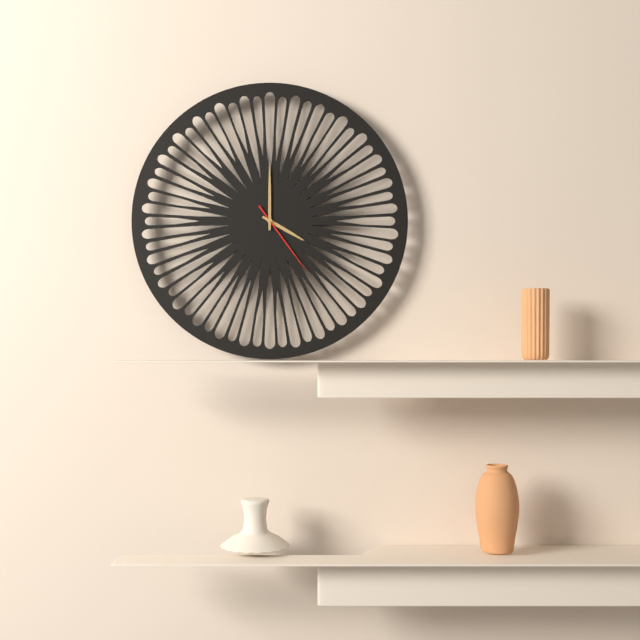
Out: {"hour": 4, "minute": 0, "second": 24}
